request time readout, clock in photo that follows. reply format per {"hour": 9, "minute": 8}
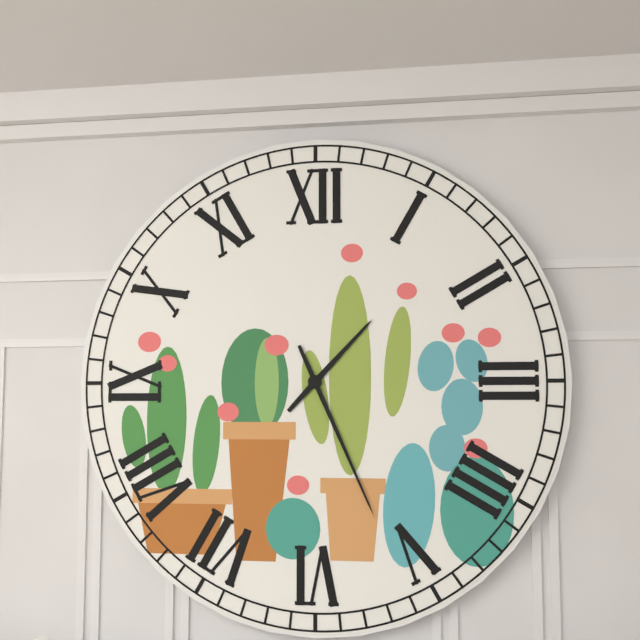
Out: {"hour": 1, "minute": 26}
